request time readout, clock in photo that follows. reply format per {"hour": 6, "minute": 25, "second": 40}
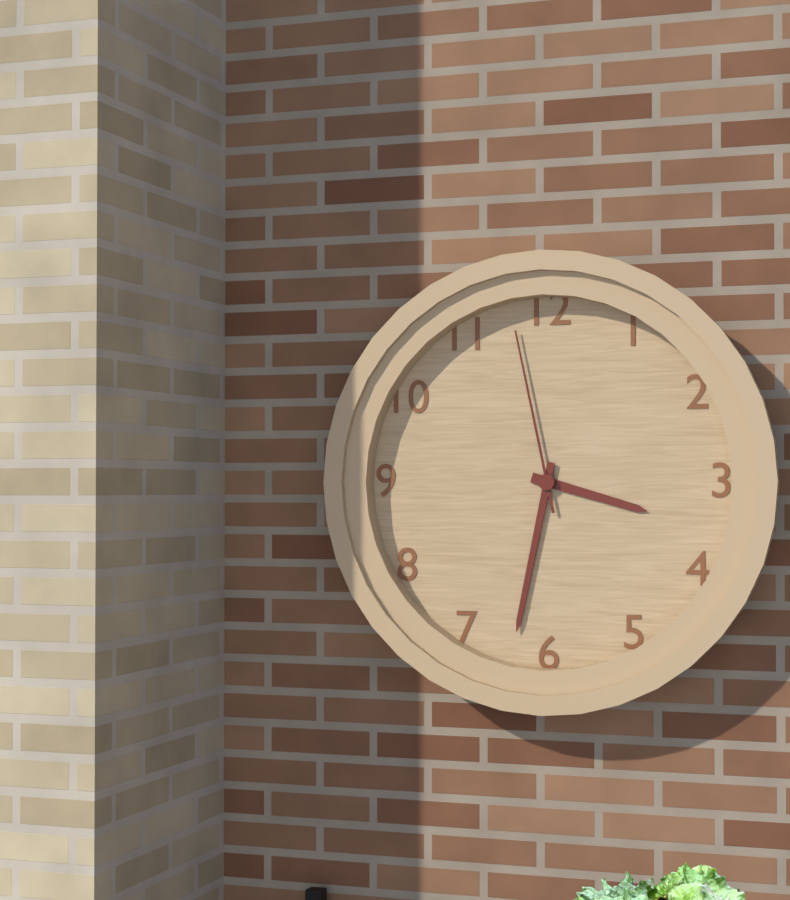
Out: {"hour": 3, "minute": 32, "second": 58}
